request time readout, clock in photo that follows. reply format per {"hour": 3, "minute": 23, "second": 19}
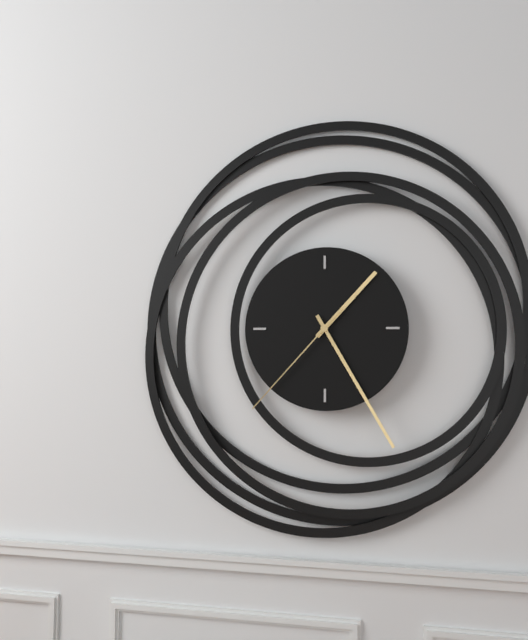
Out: {"hour": 1, "minute": 25, "second": 37}
